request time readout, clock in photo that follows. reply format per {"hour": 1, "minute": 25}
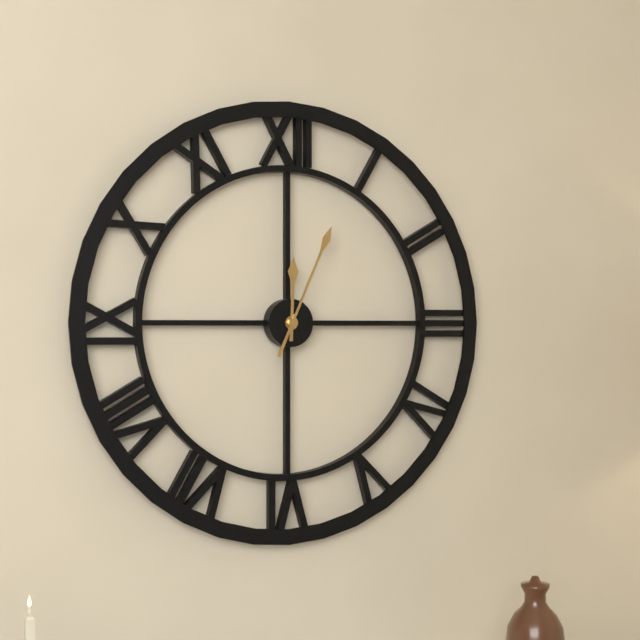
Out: {"hour": 12, "minute": 4}
